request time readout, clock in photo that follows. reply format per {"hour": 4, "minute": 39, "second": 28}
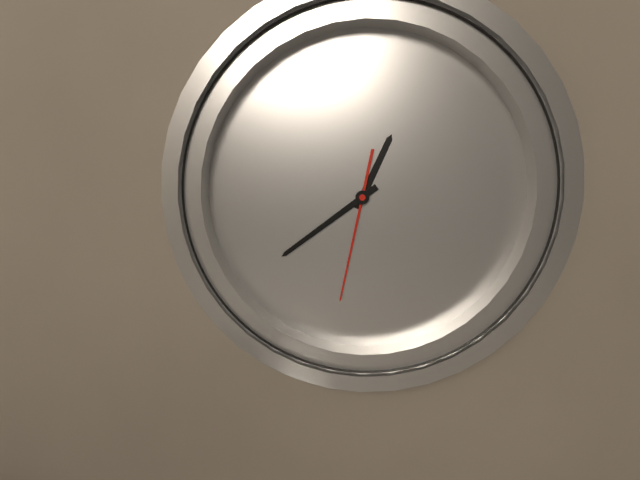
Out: {"hour": 12, "minute": 38, "second": 31}
